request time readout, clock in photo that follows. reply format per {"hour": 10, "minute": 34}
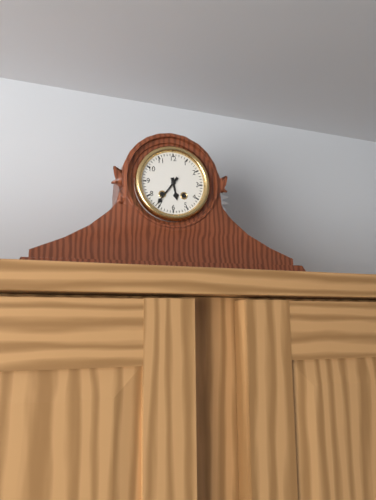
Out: {"hour": 5, "minute": 36}
